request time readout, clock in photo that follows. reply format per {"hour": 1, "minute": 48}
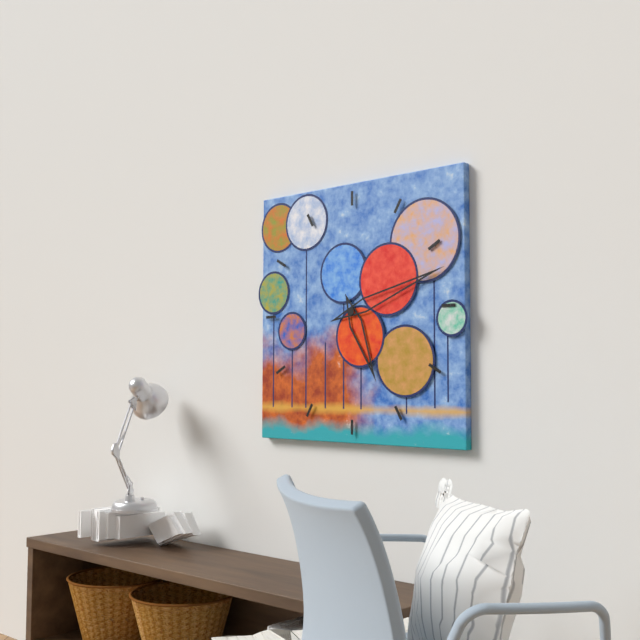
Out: {"hour": 5, "minute": 12}
